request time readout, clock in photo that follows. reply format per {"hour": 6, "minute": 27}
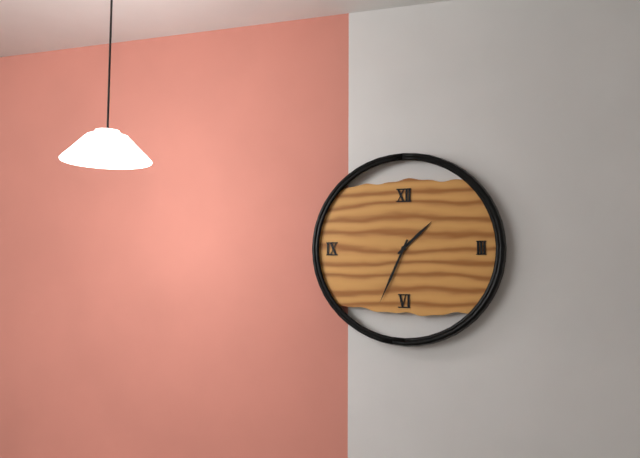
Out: {"hour": 1, "minute": 34}
